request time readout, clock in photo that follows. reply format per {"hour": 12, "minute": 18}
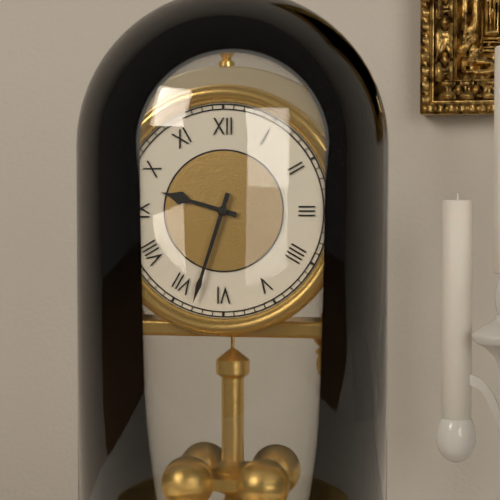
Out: {"hour": 9, "minute": 33}
